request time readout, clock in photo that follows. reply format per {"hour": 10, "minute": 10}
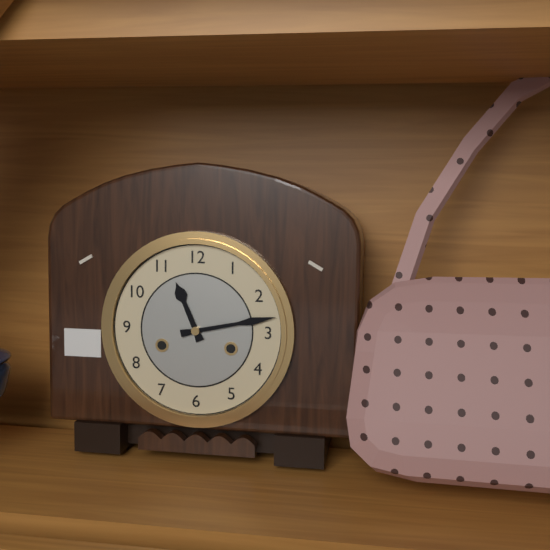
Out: {"hour": 11, "minute": 13}
